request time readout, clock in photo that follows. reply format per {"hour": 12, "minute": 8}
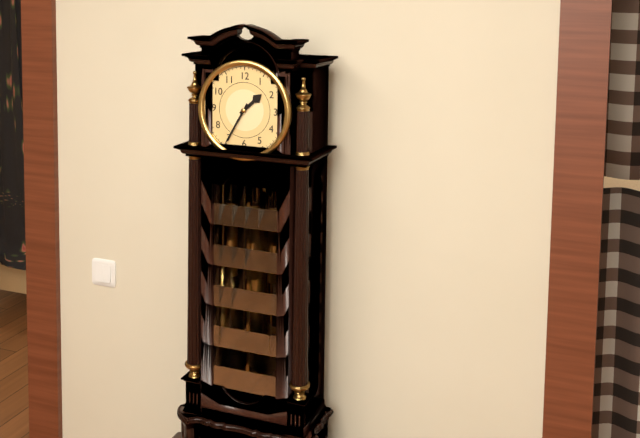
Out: {"hour": 1, "minute": 35}
